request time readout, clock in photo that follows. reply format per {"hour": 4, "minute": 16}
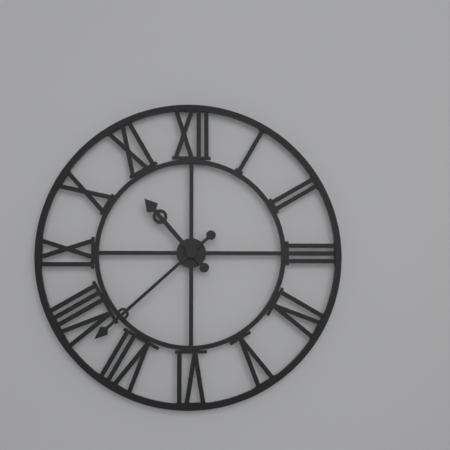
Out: {"hour": 10, "minute": 38}
